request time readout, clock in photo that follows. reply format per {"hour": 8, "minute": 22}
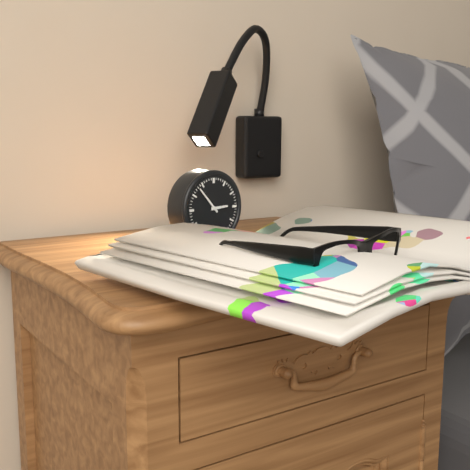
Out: {"hour": 2, "minute": 53}
